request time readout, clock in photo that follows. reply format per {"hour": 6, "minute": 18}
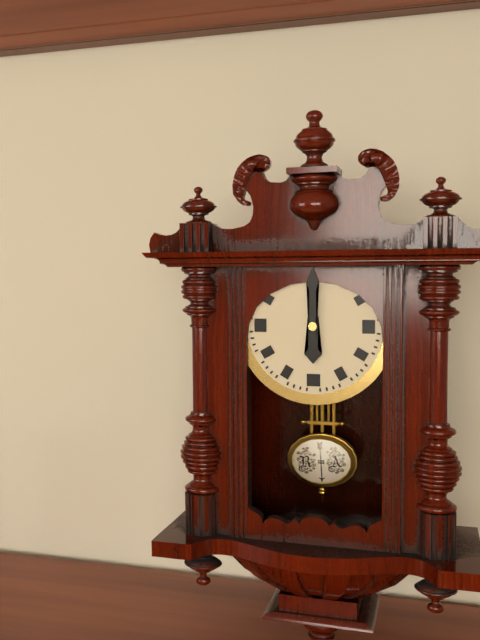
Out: {"hour": 6, "minute": 0}
